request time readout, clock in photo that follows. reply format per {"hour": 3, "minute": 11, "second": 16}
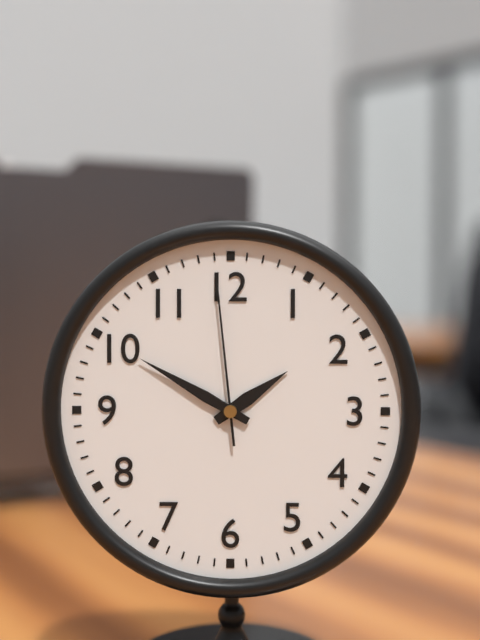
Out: {"hour": 1, "minute": 50, "second": 59}
